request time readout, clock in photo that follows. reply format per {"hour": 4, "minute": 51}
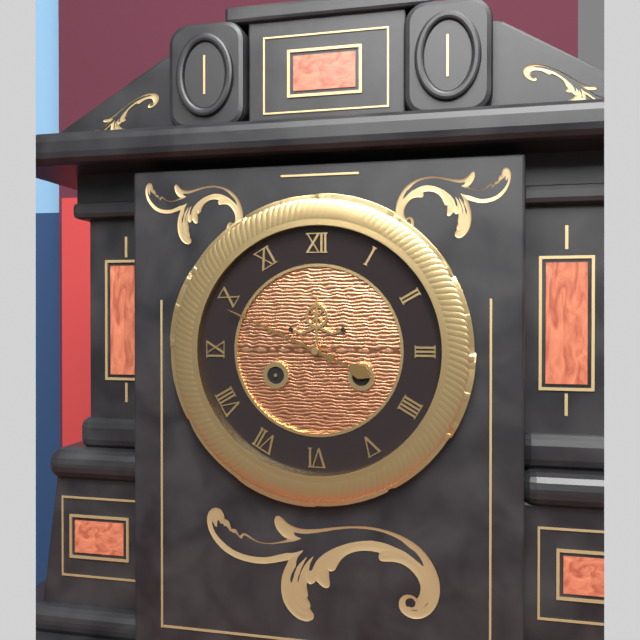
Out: {"hour": 3, "minute": 49}
